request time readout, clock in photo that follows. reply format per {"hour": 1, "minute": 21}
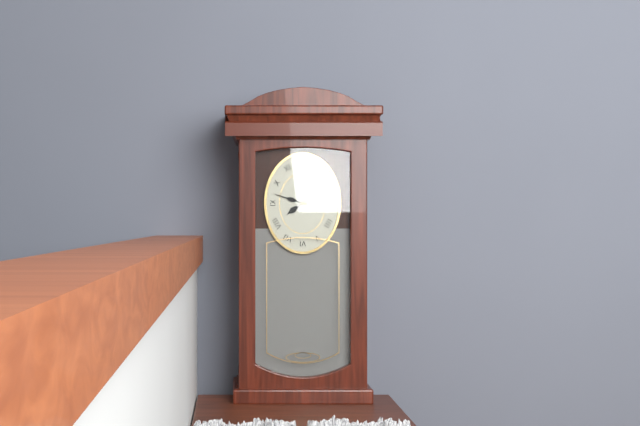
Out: {"hour": 7, "minute": 48}
